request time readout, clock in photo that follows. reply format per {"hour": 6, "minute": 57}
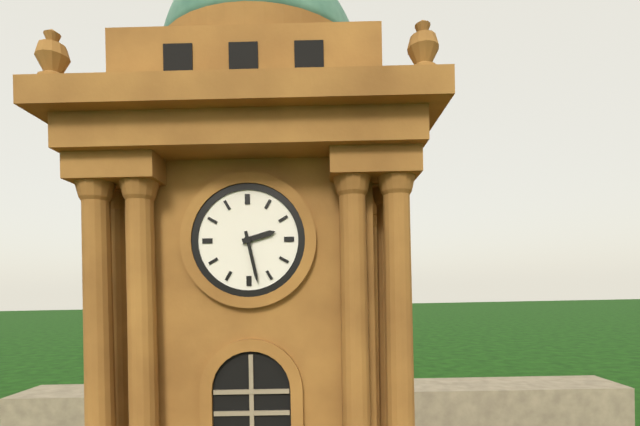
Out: {"hour": 2, "minute": 28}
